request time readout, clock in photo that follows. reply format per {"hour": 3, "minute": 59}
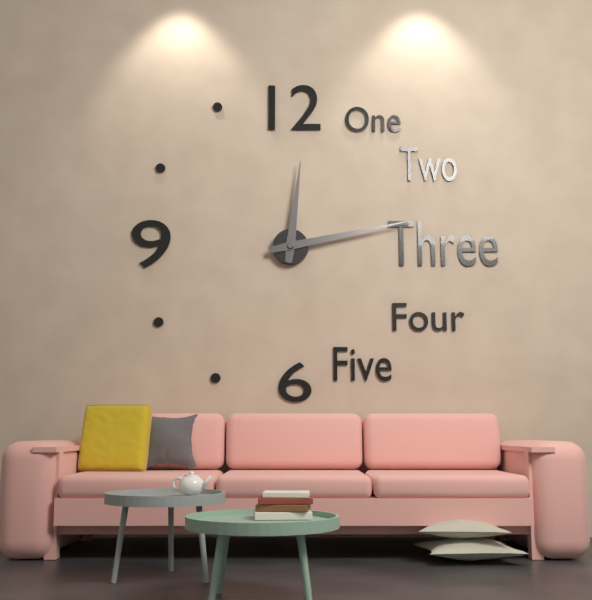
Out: {"hour": 12, "minute": 13}
